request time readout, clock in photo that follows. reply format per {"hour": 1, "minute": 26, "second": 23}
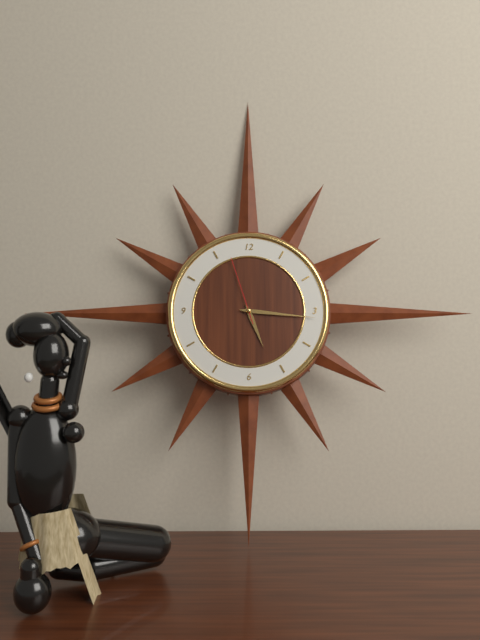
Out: {"hour": 5, "minute": 16, "second": 57}
